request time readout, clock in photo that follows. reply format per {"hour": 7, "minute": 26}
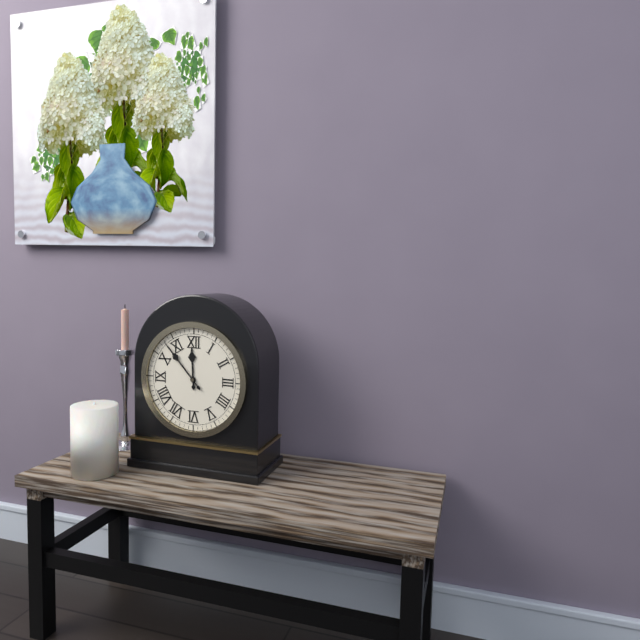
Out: {"hour": 11, "minute": 53}
